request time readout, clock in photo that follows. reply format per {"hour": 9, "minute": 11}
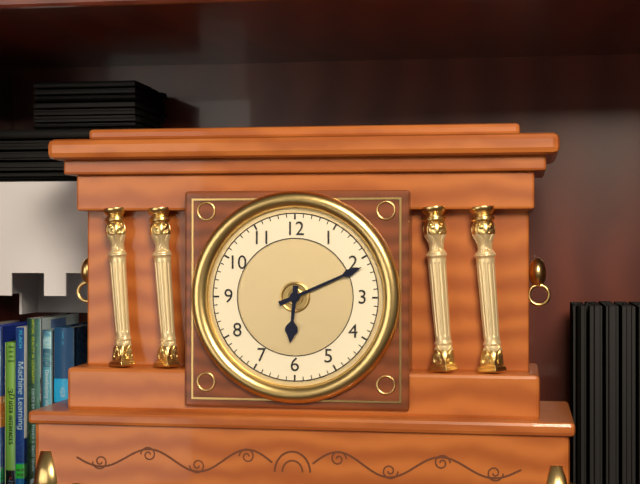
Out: {"hour": 6, "minute": 11}
